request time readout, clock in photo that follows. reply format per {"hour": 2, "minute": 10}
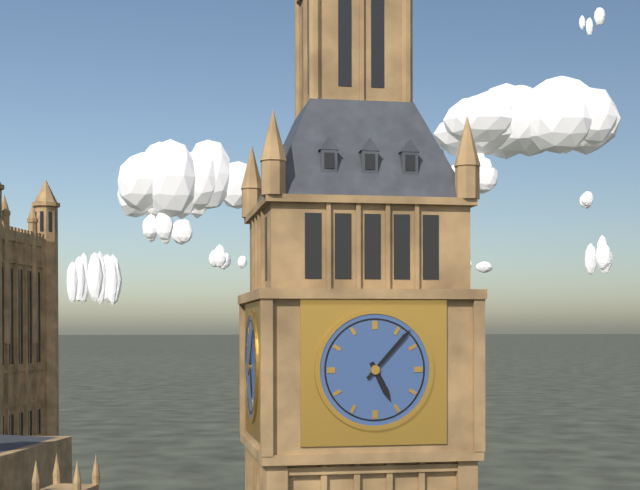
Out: {"hour": 5, "minute": 7}
